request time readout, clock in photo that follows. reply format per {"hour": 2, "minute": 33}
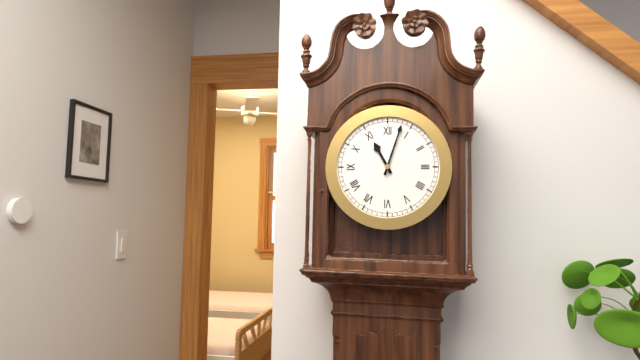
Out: {"hour": 11, "minute": 3}
